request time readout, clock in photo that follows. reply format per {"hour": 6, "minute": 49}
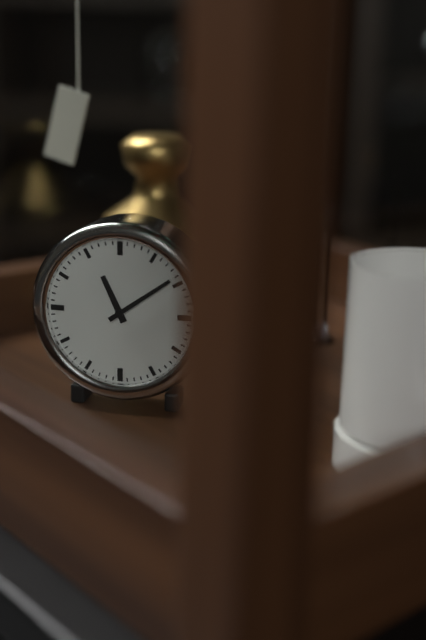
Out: {"hour": 11, "minute": 9}
